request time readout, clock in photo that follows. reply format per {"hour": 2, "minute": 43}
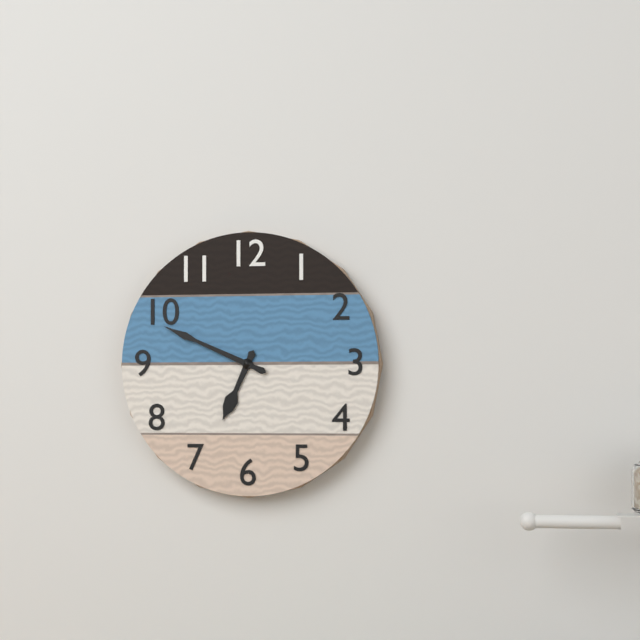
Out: {"hour": 6, "minute": 49}
